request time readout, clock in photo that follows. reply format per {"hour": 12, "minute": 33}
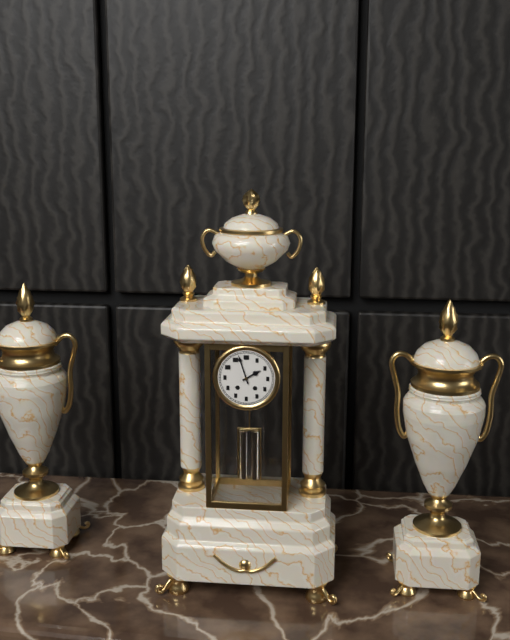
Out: {"hour": 1, "minute": 57}
